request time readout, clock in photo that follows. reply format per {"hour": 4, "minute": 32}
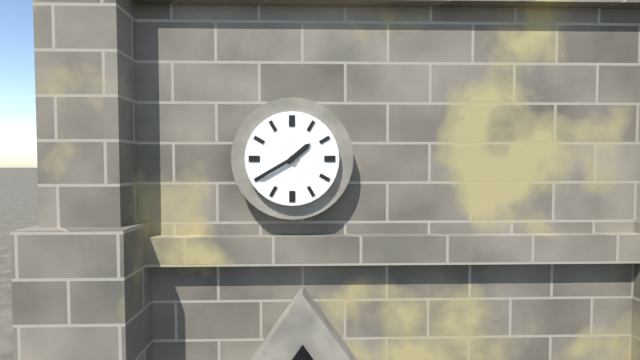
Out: {"hour": 1, "minute": 40}
